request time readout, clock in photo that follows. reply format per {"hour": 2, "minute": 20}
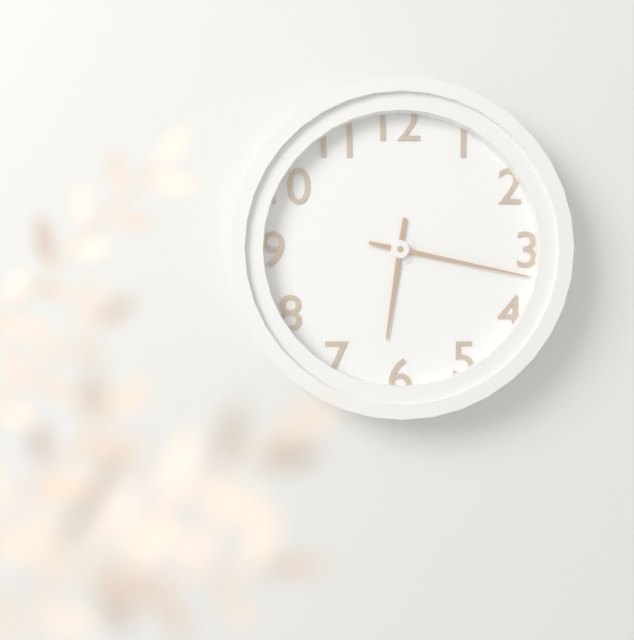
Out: {"hour": 6, "minute": 17}
